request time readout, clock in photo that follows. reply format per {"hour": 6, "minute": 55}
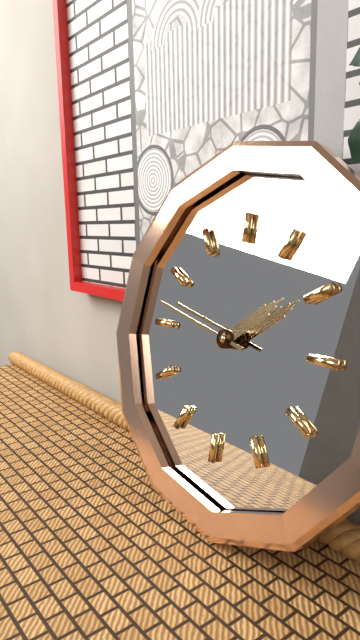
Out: {"hour": 1, "minute": 47}
